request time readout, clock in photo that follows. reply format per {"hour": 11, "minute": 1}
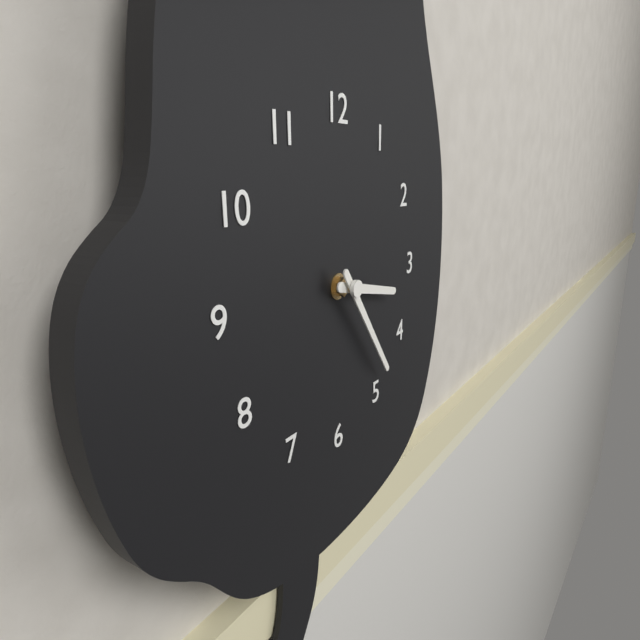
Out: {"hour": 3, "minute": 24}
